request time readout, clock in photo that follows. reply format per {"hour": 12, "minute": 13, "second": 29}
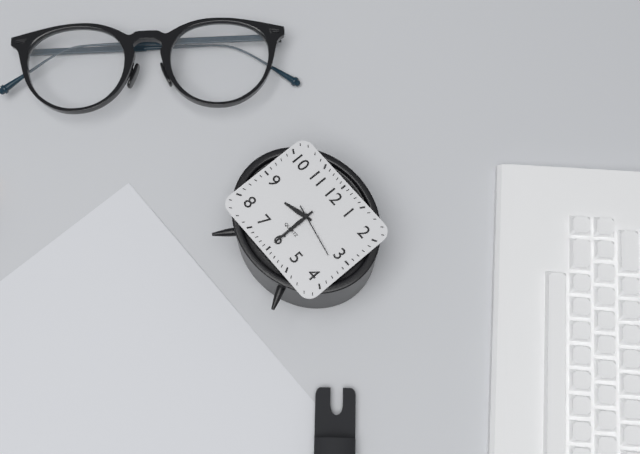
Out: {"hour": 8, "minute": 30, "second": 17}
